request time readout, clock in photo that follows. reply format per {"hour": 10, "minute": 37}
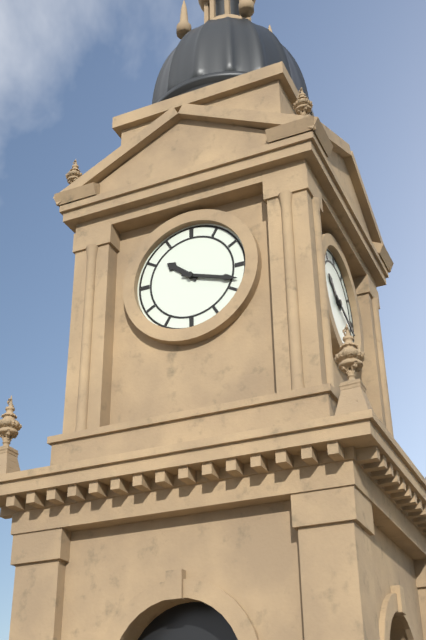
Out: {"hour": 10, "minute": 18}
